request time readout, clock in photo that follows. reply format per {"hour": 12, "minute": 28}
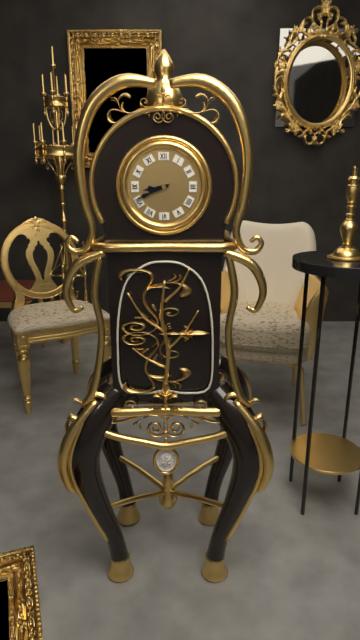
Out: {"hour": 8, "minute": 41}
